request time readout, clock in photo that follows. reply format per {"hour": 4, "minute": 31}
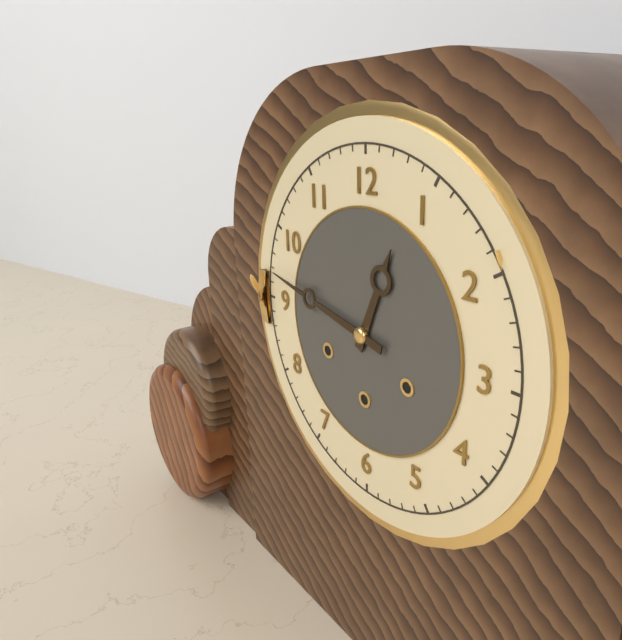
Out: {"hour": 12, "minute": 47}
